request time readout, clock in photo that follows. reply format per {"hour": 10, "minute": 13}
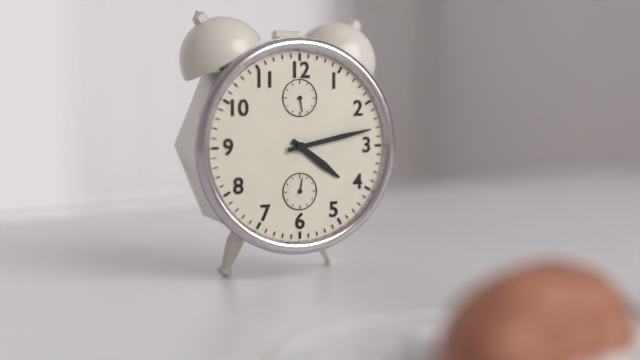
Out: {"hour": 4, "minute": 13}
